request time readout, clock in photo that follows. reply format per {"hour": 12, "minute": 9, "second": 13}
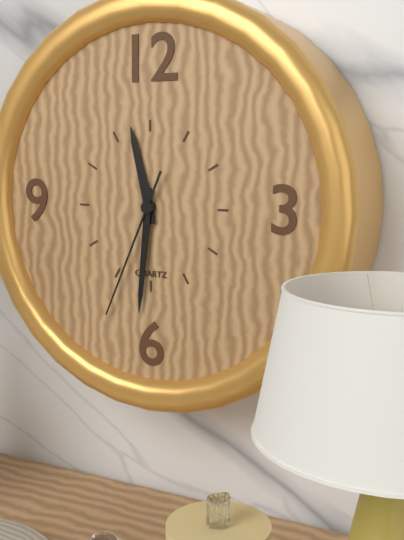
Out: {"hour": 11, "minute": 31, "second": 34}
